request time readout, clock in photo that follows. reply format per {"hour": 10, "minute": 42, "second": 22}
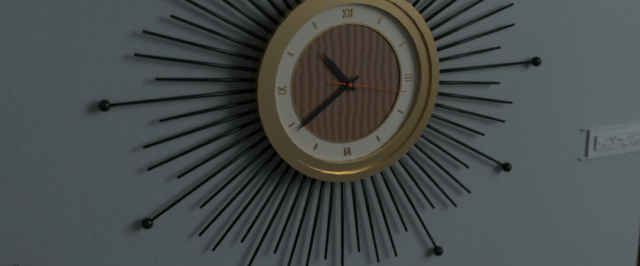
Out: {"hour": 10, "minute": 39, "second": 17}
